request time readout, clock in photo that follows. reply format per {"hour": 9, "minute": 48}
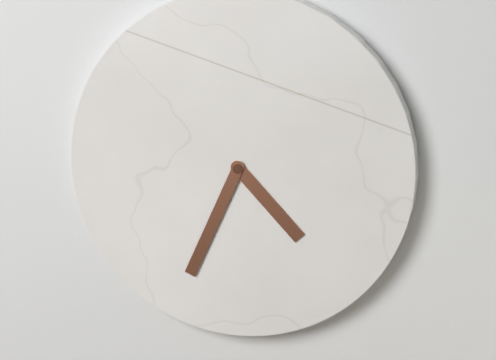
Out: {"hour": 4, "minute": 34}
